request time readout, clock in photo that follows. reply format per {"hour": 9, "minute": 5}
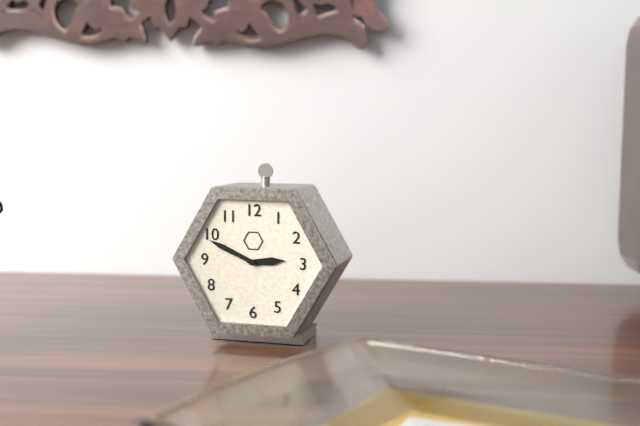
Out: {"hour": 2, "minute": 49}
